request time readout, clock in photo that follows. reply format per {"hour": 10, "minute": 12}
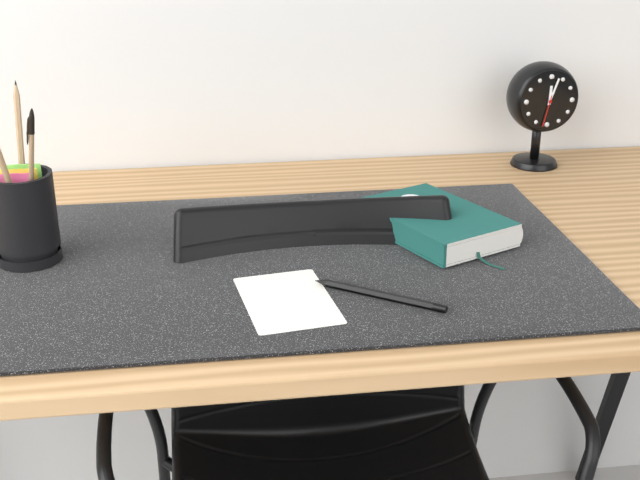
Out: {"hour": 12, "minute": 3}
